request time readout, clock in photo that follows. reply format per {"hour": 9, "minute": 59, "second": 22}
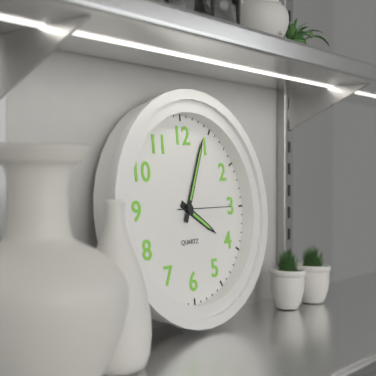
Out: {"hour": 4, "minute": 4, "second": 15}
